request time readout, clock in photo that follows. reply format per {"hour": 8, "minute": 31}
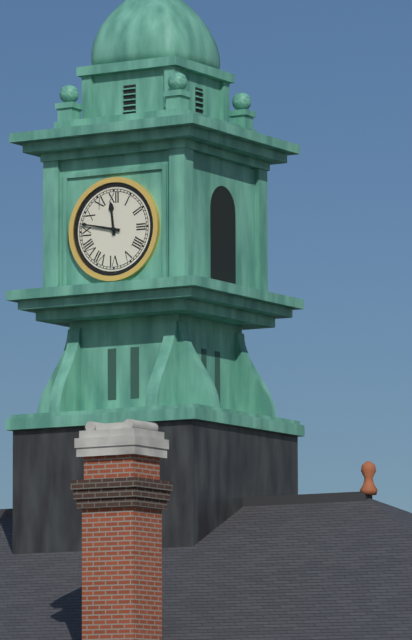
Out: {"hour": 11, "minute": 47}
